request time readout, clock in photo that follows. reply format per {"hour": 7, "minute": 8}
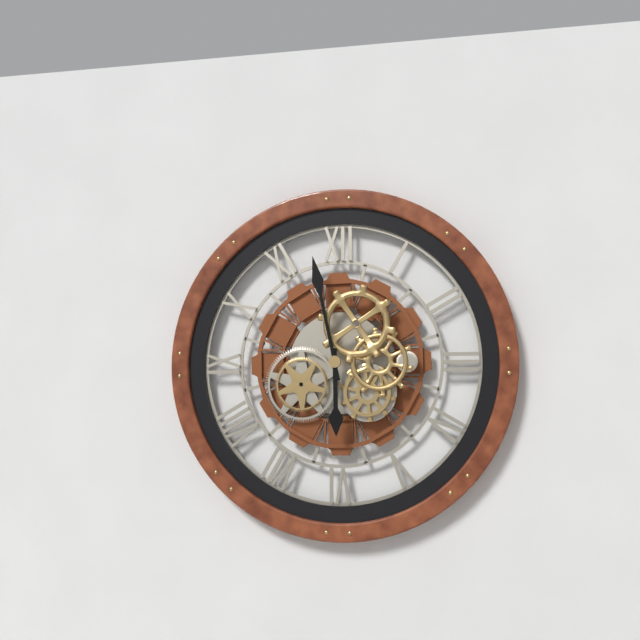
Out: {"hour": 5, "minute": 58}
